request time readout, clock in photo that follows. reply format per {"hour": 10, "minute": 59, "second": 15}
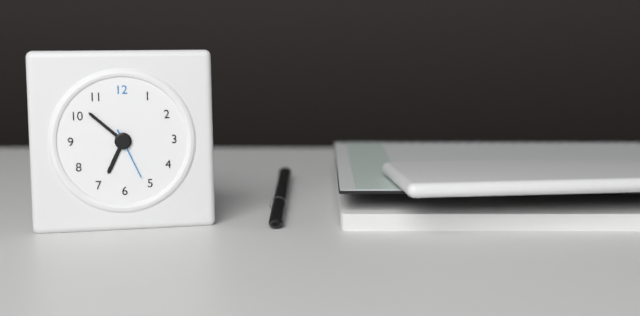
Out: {"hour": 6, "minute": 52, "second": 26}
